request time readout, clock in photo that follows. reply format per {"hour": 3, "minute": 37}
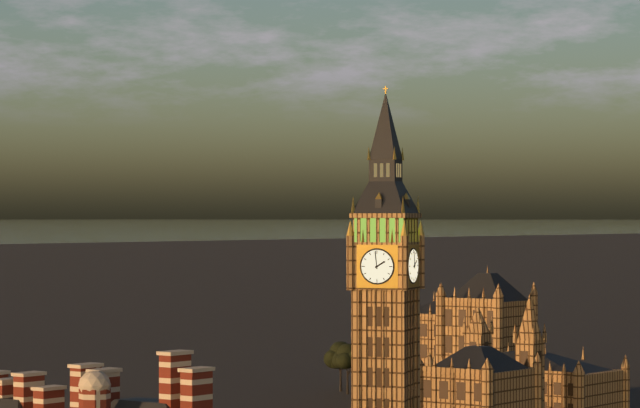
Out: {"hour": 1, "minute": 59}
